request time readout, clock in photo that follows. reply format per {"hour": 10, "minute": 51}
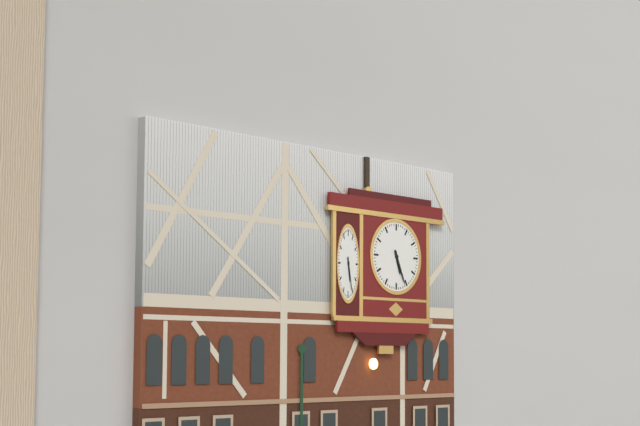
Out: {"hour": 5, "minute": 26}
